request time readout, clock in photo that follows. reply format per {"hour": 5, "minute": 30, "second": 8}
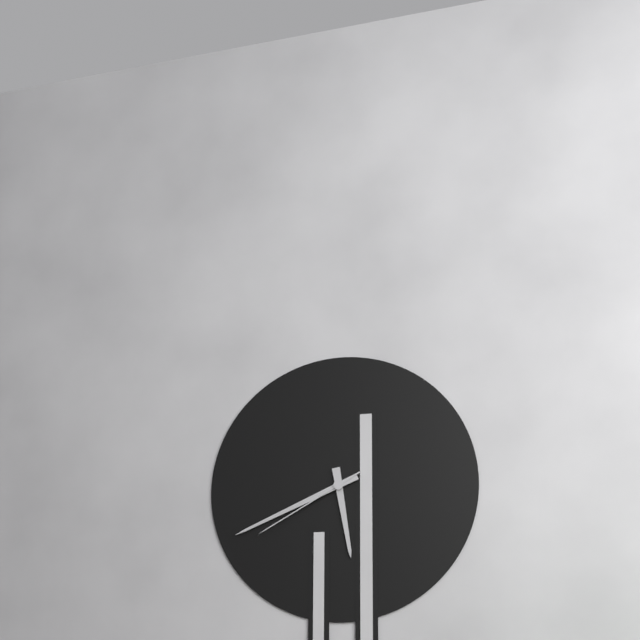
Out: {"hour": 5, "minute": 41, "second": 40}
